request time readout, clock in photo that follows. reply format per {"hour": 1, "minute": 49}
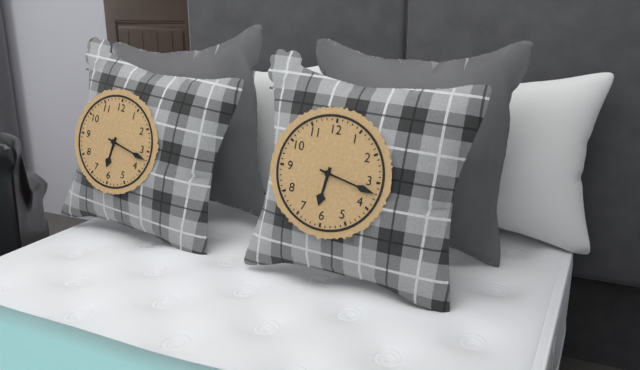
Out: {"hour": 6, "minute": 17}
